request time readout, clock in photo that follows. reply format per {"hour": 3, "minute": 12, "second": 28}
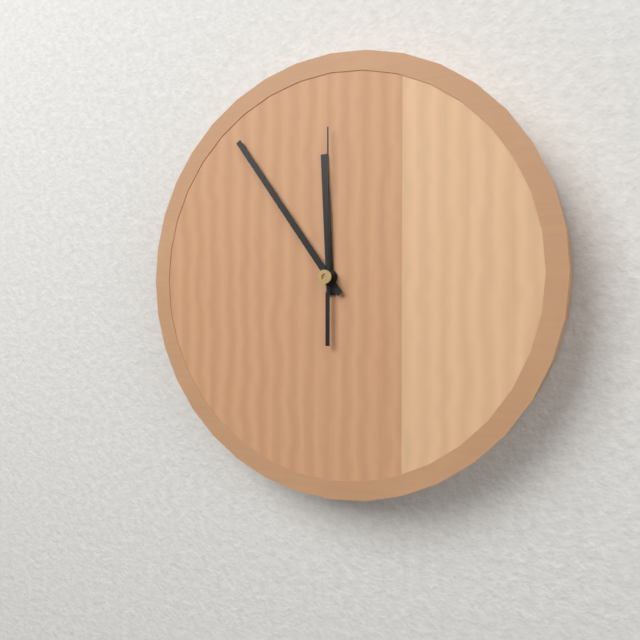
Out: {"hour": 11, "minute": 54, "second": 0}
